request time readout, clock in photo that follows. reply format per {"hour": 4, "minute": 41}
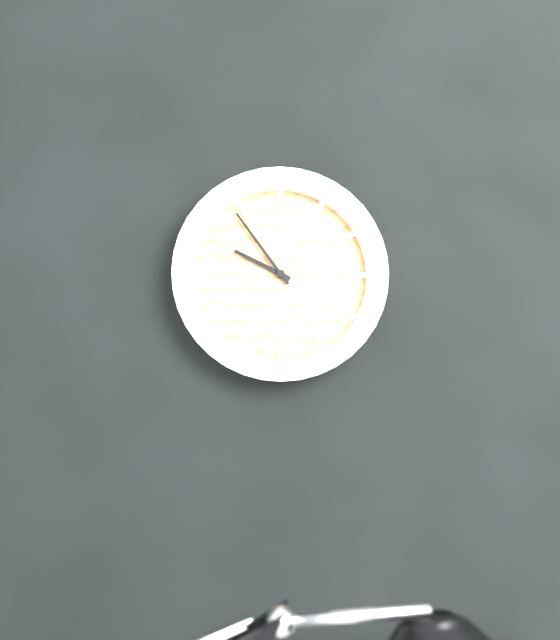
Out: {"hour": 9, "minute": 54}
